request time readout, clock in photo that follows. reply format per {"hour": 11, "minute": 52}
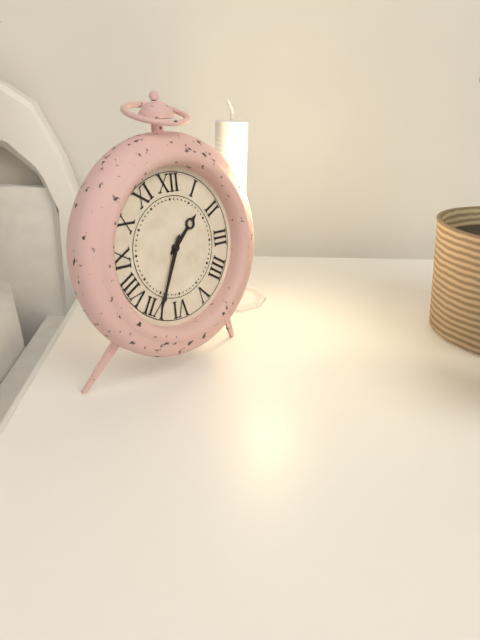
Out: {"hour": 1, "minute": 34}
